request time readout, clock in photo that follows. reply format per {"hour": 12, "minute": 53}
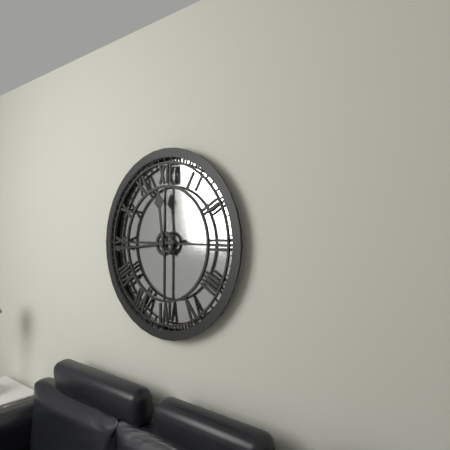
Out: {"hour": 11, "minute": 44}
